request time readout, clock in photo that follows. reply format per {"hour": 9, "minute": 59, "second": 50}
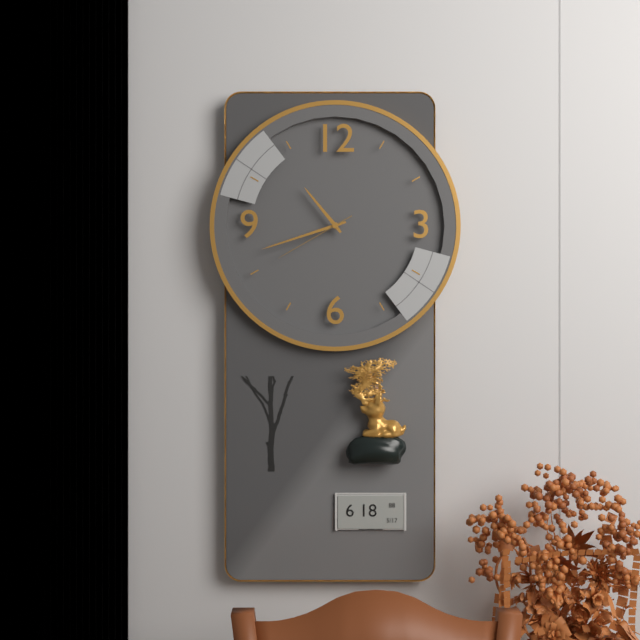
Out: {"hour": 10, "minute": 42, "second": 40}
